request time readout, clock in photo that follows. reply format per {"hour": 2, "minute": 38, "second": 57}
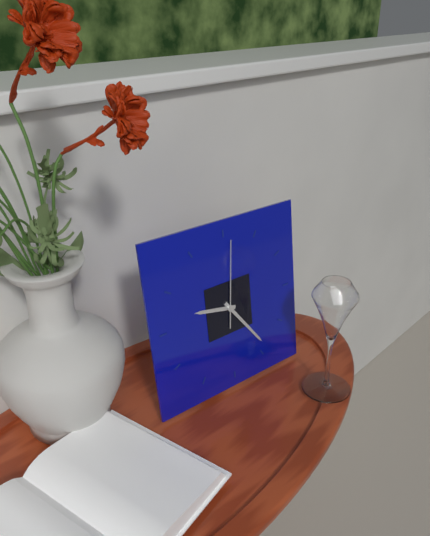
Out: {"hour": 9, "minute": 24, "second": 1}
